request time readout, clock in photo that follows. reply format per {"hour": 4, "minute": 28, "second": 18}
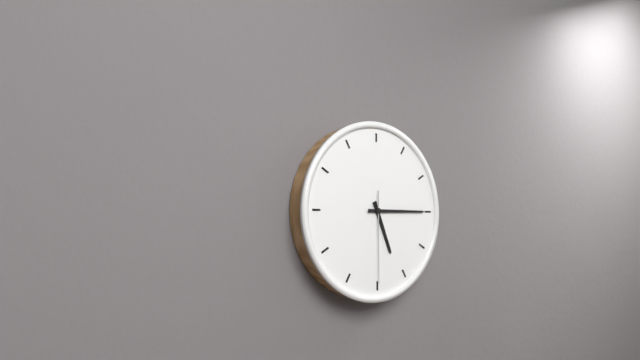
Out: {"hour": 5, "minute": 15, "second": 30}
